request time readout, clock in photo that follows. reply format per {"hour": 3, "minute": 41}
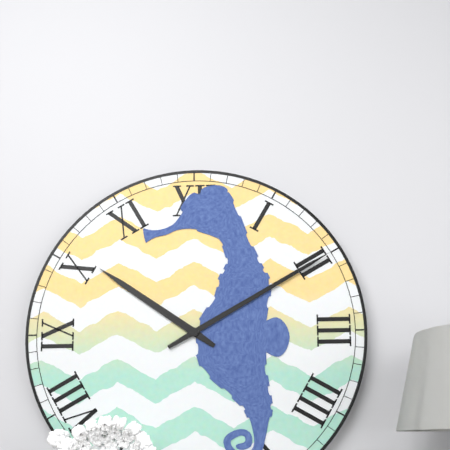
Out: {"hour": 10, "minute": 10}
